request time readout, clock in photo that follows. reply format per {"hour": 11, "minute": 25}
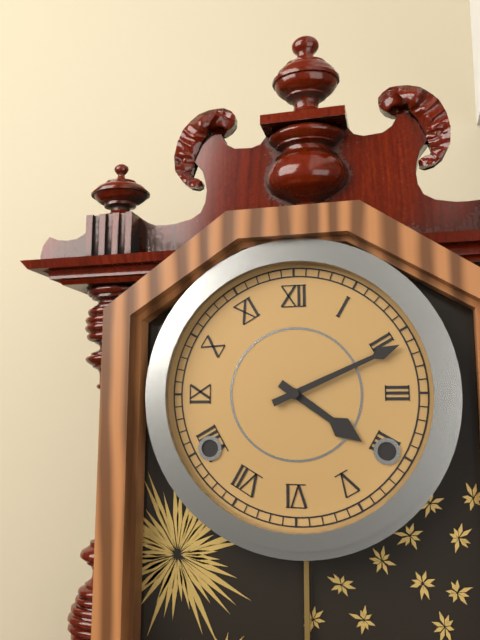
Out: {"hour": 4, "minute": 11}
